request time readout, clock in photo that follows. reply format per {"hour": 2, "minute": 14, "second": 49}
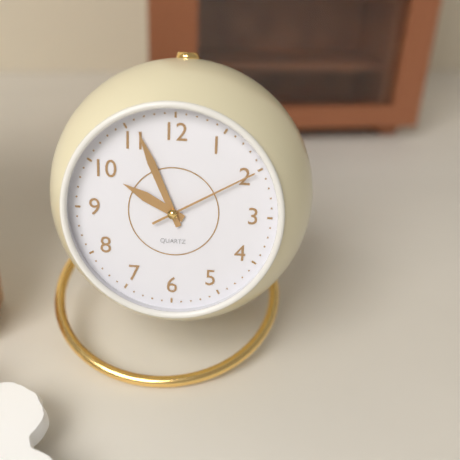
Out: {"hour": 9, "minute": 56, "second": 10}
